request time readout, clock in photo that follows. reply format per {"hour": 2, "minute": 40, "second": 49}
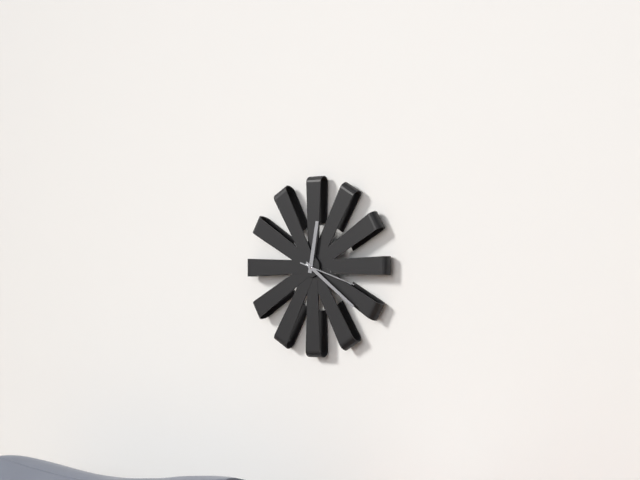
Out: {"hour": 12, "minute": 21, "second": 18}
